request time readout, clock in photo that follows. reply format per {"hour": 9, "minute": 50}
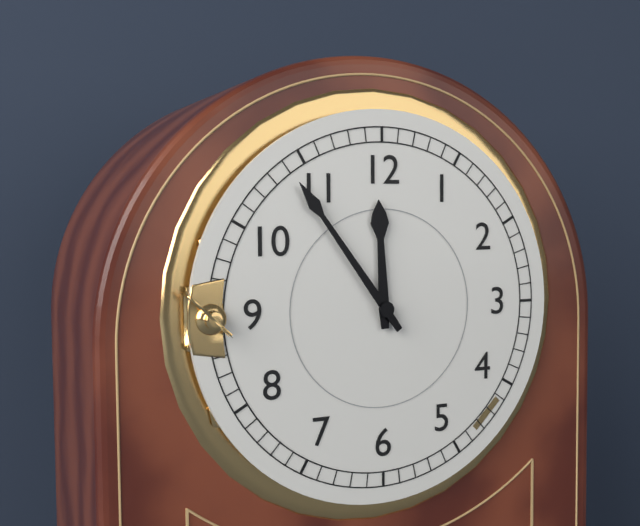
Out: {"hour": 11, "minute": 54}
